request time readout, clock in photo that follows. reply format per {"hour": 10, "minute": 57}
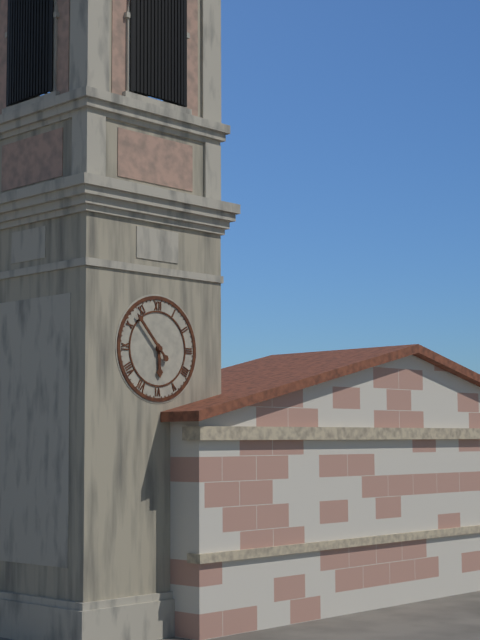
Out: {"hour": 5, "minute": 53}
